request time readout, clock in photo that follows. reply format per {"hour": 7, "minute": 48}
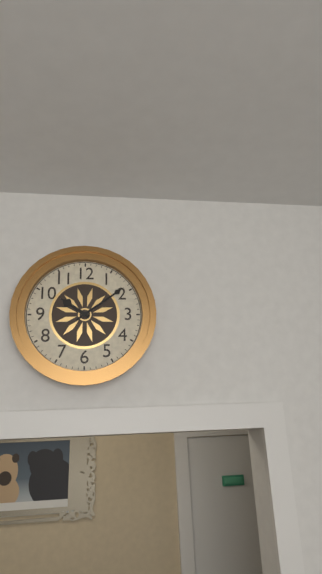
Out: {"hour": 10, "minute": 9}
